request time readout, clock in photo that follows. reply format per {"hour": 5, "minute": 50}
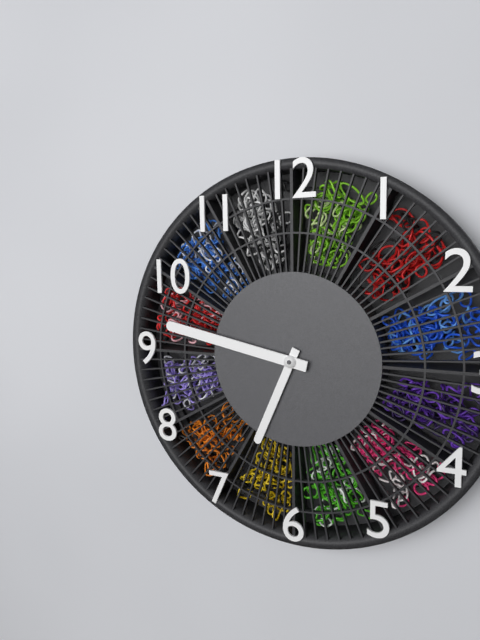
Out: {"hour": 6, "minute": 47}
